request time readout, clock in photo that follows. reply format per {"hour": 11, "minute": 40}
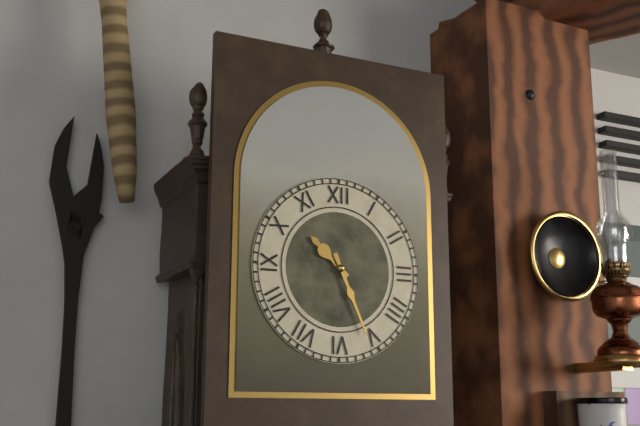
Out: {"hour": 10, "minute": 26}
